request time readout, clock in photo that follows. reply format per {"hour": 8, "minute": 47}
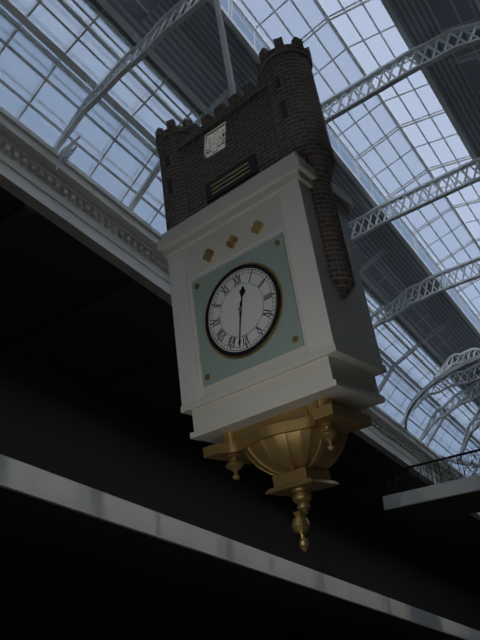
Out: {"hour": 12, "minute": 32}
